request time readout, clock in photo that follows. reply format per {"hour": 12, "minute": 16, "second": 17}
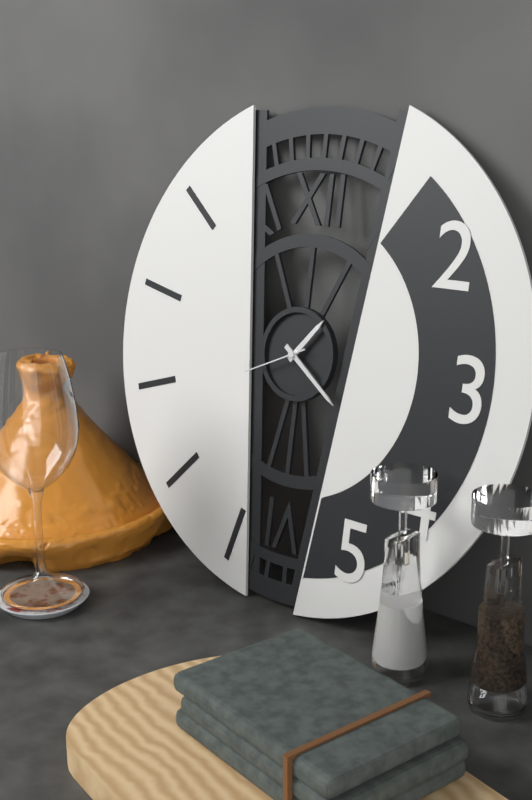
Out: {"hour": 1, "minute": 21, "second": 41}
